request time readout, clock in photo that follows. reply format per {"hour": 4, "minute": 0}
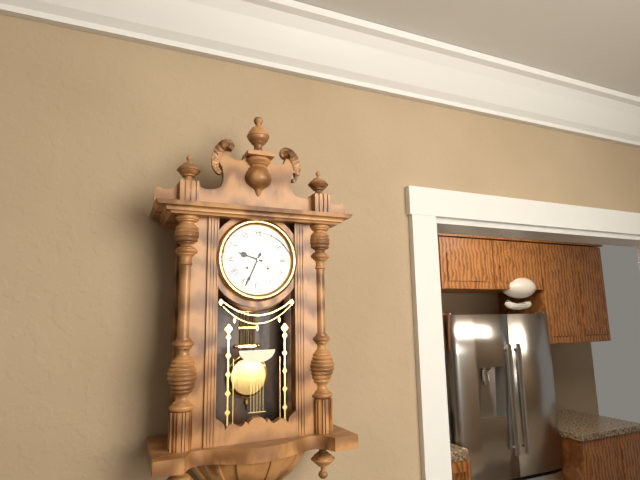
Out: {"hour": 9, "minute": 34}
